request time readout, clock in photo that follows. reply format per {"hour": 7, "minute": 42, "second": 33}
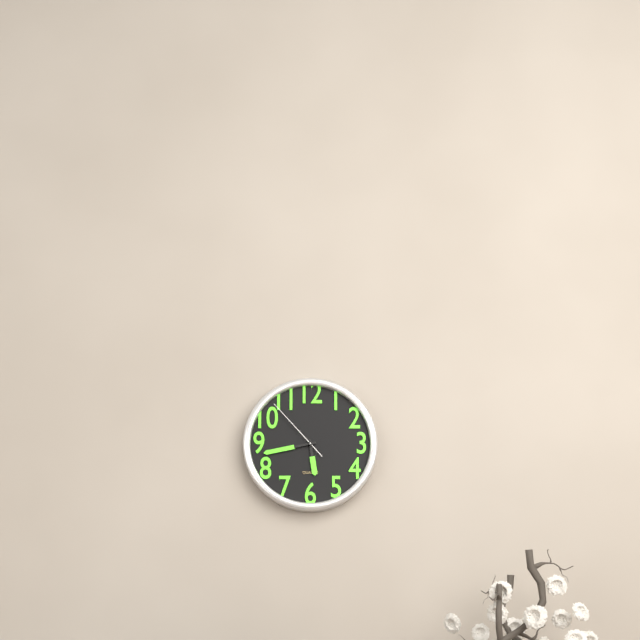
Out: {"hour": 5, "minute": 43, "second": 53}
